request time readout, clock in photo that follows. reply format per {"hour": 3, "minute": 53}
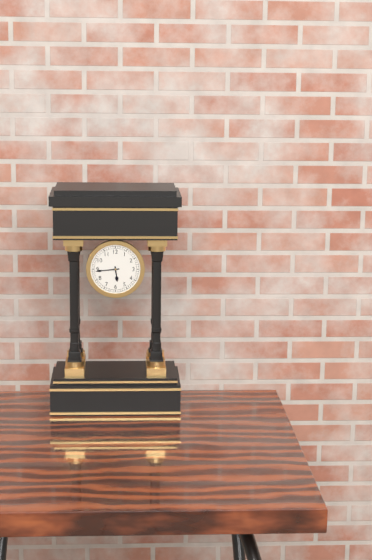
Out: {"hour": 5, "minute": 44}
